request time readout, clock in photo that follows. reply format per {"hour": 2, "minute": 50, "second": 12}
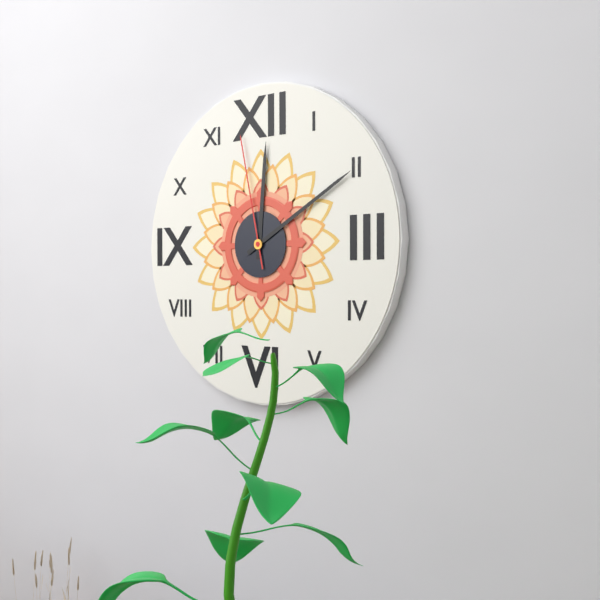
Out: {"hour": 12, "minute": 10, "second": 58}
